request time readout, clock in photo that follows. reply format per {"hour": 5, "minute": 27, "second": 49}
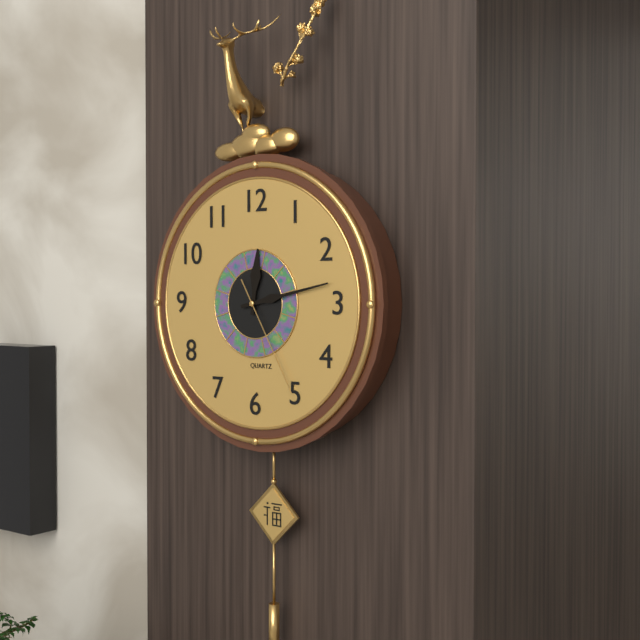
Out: {"hour": 12, "minute": 13, "second": 25}
